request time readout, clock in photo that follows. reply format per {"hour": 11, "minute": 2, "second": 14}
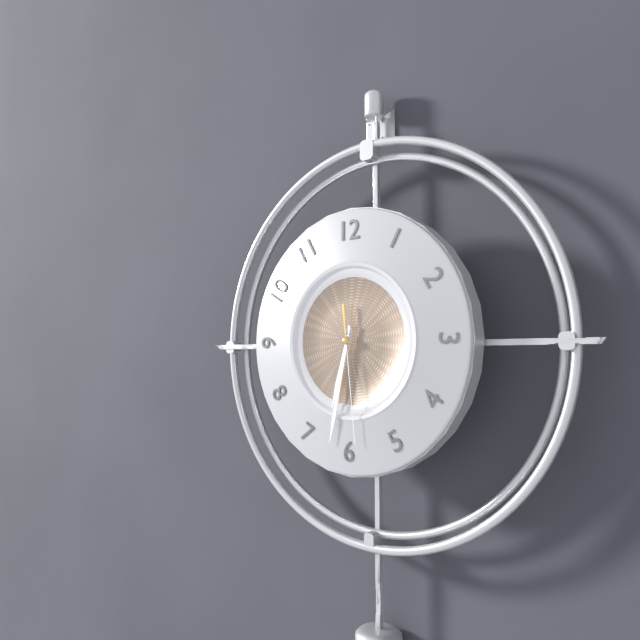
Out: {"hour": 6, "minute": 32, "second": 29}
